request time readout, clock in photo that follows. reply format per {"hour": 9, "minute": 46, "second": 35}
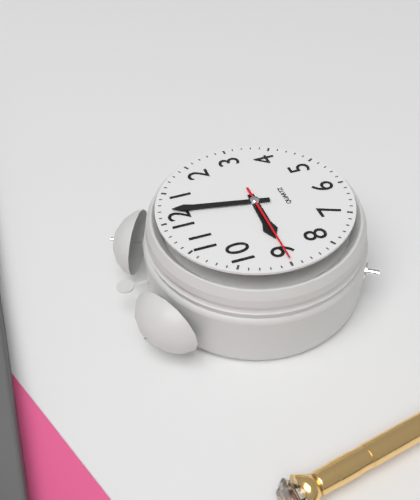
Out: {"hour": 9, "minute": 2, "second": 45}
